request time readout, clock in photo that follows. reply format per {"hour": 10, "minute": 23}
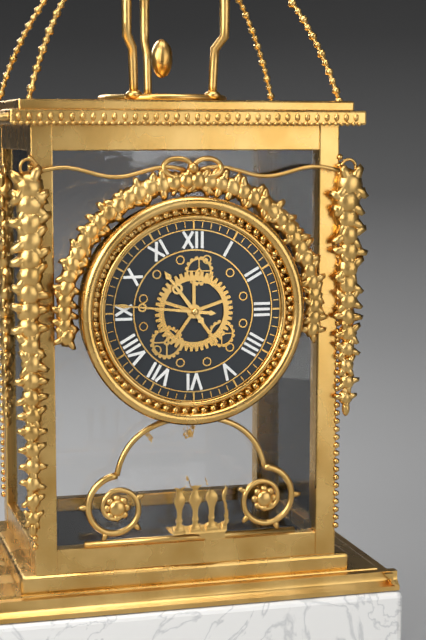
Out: {"hour": 10, "minute": 46}
